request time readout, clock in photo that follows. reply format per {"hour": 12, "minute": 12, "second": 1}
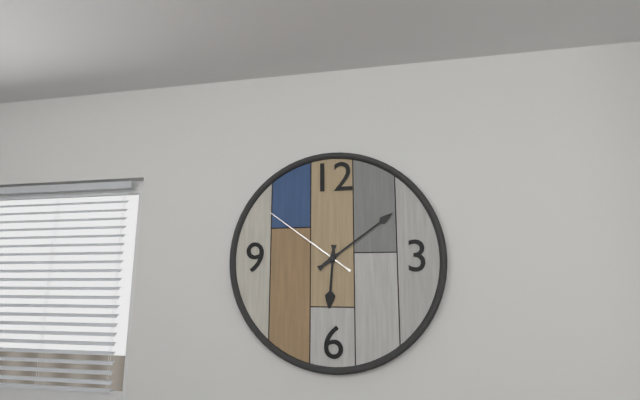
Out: {"hour": 6, "minute": 9, "second": 51}
